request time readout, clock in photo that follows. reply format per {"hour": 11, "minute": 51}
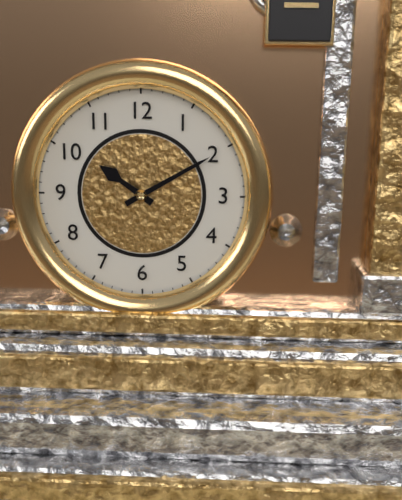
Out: {"hour": 10, "minute": 10}
